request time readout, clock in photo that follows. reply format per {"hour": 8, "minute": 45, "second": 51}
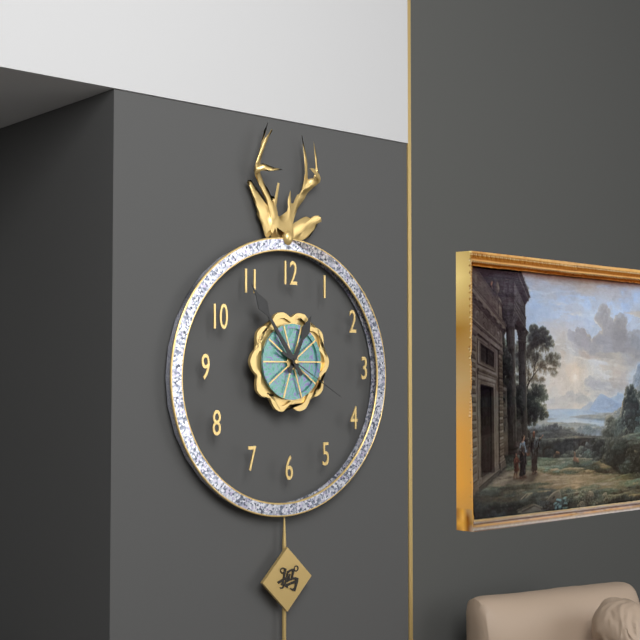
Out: {"hour": 12, "minute": 54, "second": 20}
